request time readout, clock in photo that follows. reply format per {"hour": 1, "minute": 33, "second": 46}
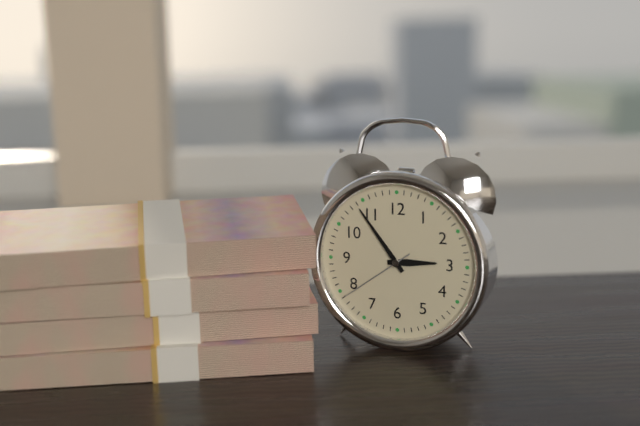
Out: {"hour": 2, "minute": 54, "second": 39}
